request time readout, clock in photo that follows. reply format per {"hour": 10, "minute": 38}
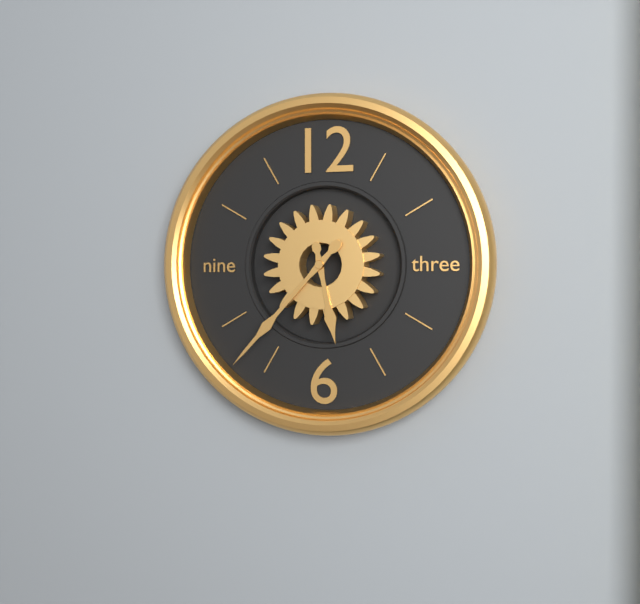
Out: {"hour": 5, "minute": 37}
